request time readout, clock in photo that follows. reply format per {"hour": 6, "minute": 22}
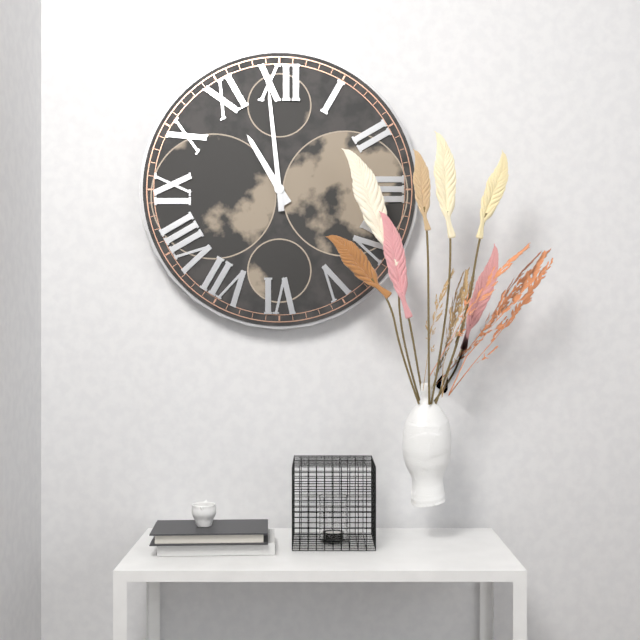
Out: {"hour": 10, "minute": 59}
